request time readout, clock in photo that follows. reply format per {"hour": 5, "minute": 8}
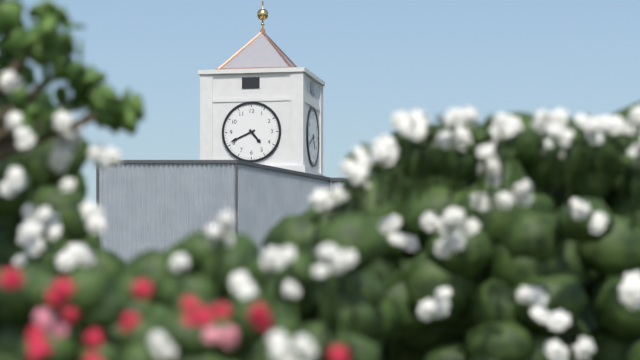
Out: {"hour": 4, "minute": 41}
